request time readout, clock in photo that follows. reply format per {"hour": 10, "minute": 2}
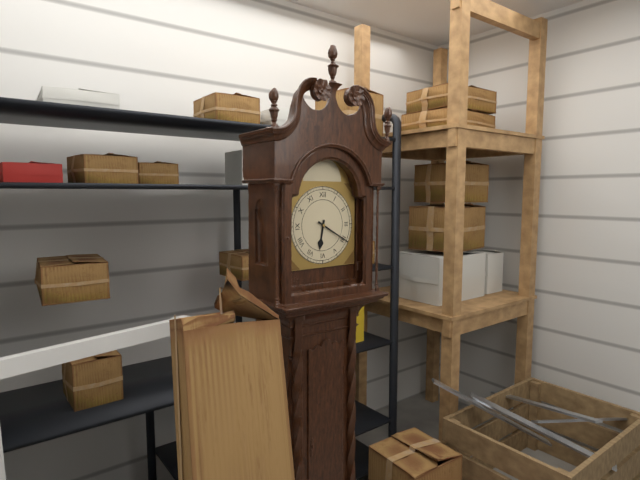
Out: {"hour": 6, "minute": 20}
